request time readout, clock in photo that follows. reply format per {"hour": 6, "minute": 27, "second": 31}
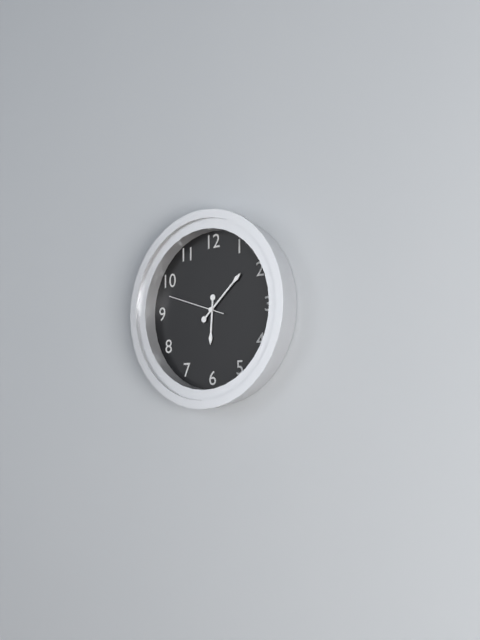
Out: {"hour": 6, "minute": 8, "second": 48}
